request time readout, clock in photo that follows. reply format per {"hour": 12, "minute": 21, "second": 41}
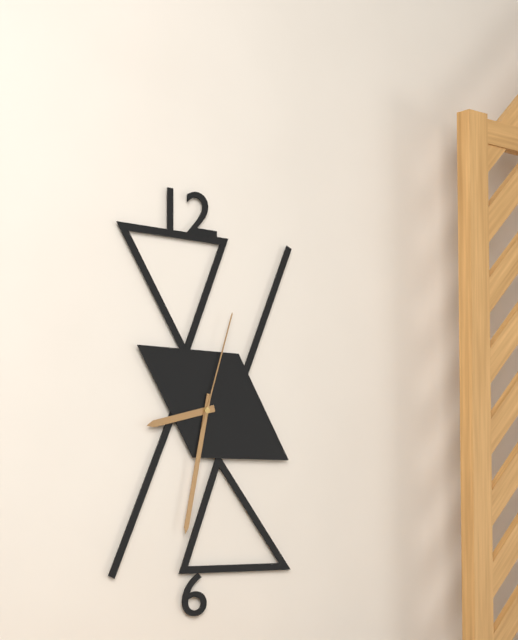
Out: {"hour": 8, "minute": 32, "second": 3}
